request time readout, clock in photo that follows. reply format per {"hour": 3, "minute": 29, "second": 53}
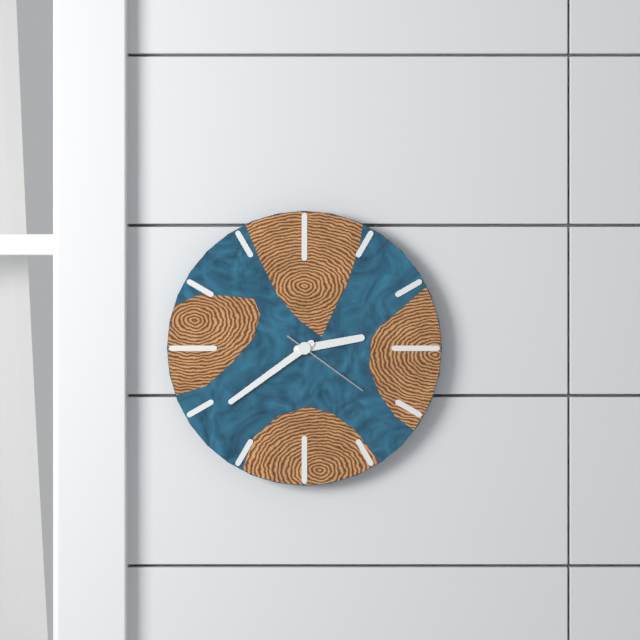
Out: {"hour": 2, "minute": 39, "second": 21}
